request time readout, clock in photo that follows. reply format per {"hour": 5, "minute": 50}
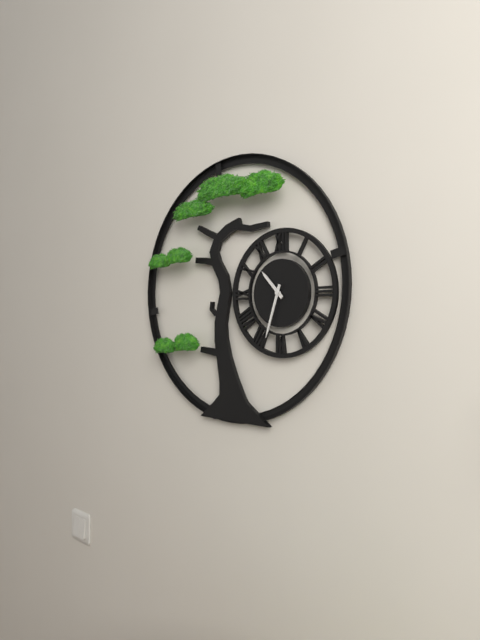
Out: {"hour": 10, "minute": 33}
